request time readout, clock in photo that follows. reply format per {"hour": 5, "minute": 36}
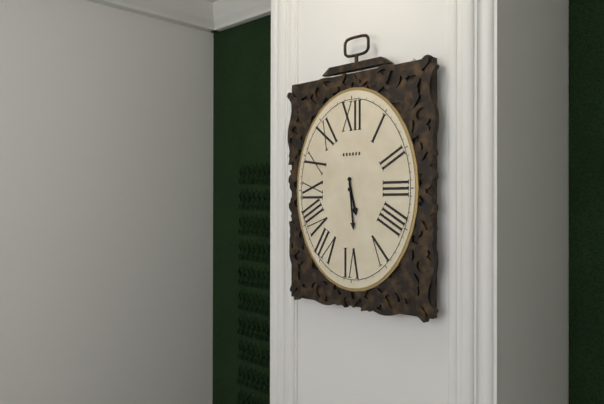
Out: {"hour": 5, "minute": 29}
